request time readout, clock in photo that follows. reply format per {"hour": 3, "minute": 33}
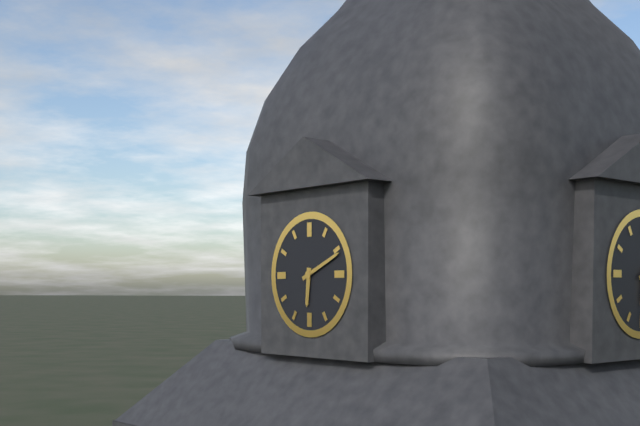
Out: {"hour": 6, "minute": 11}
